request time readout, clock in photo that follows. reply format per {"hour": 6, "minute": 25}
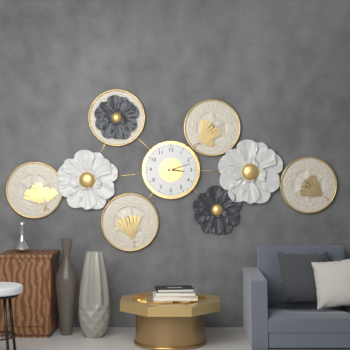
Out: {"hour": 3, "minute": 12}
